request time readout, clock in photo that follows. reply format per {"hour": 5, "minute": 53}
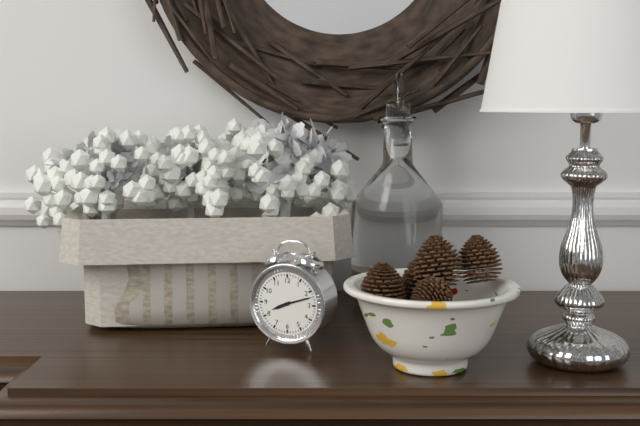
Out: {"hour": 8, "minute": 12}
